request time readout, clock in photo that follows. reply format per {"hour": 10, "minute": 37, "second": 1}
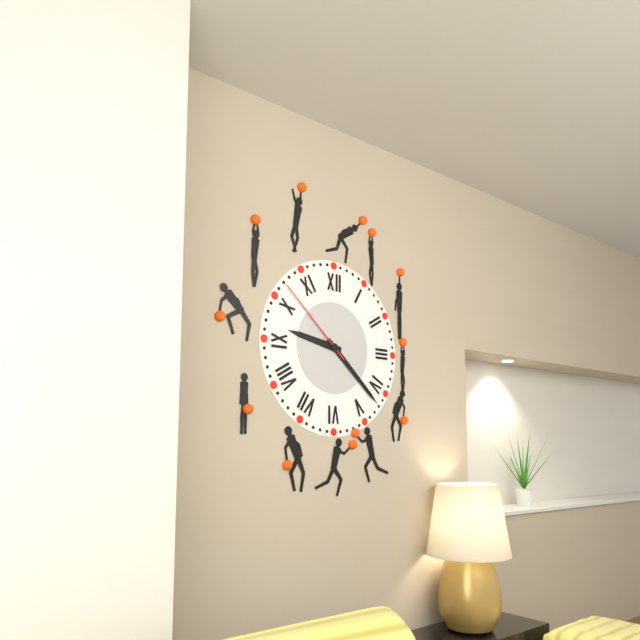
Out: {"hour": 9, "minute": 22, "second": 52}
